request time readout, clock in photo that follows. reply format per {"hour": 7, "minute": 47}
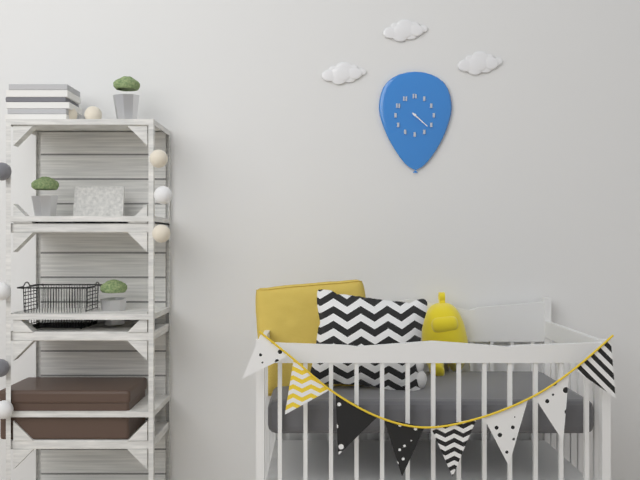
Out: {"hour": 4, "minute": 22}
